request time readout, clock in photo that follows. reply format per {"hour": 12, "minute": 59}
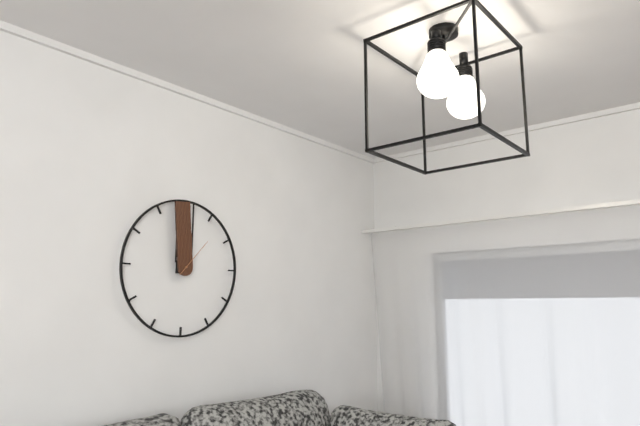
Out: {"hour": 11, "minute": 59}
